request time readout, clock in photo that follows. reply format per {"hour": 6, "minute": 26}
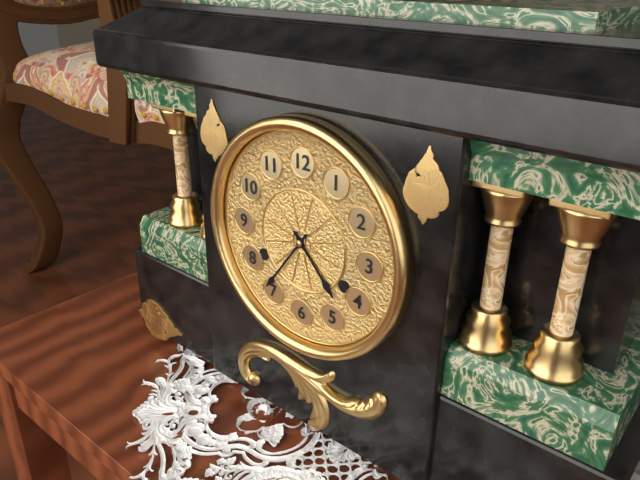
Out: {"hour": 4, "minute": 36}
